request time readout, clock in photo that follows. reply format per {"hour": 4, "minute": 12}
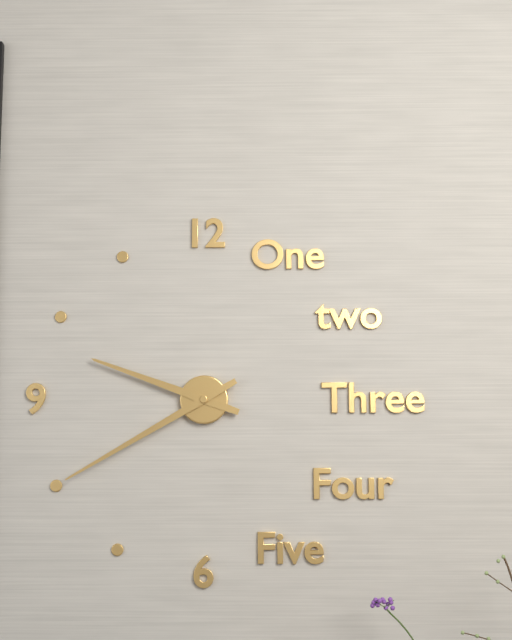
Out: {"hour": 9, "minute": 40}
